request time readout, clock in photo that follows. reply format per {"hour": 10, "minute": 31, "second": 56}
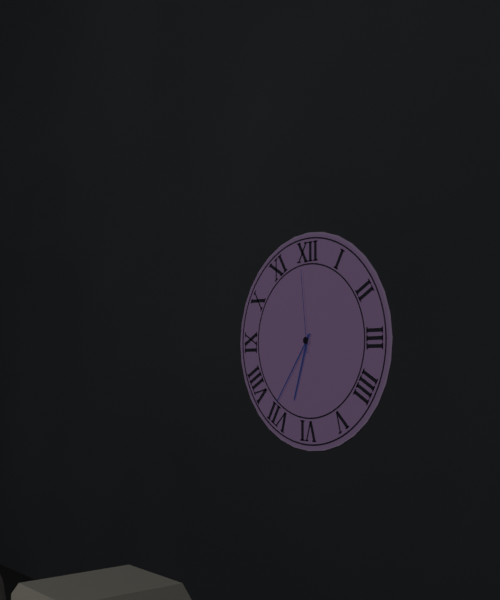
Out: {"hour": 6, "minute": 36, "second": 59}
